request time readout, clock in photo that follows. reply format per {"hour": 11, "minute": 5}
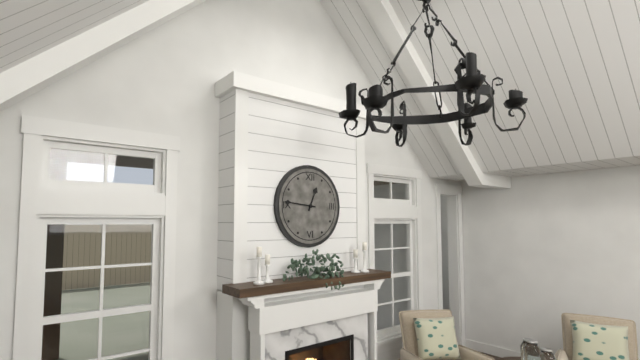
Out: {"hour": 12, "minute": 46}
